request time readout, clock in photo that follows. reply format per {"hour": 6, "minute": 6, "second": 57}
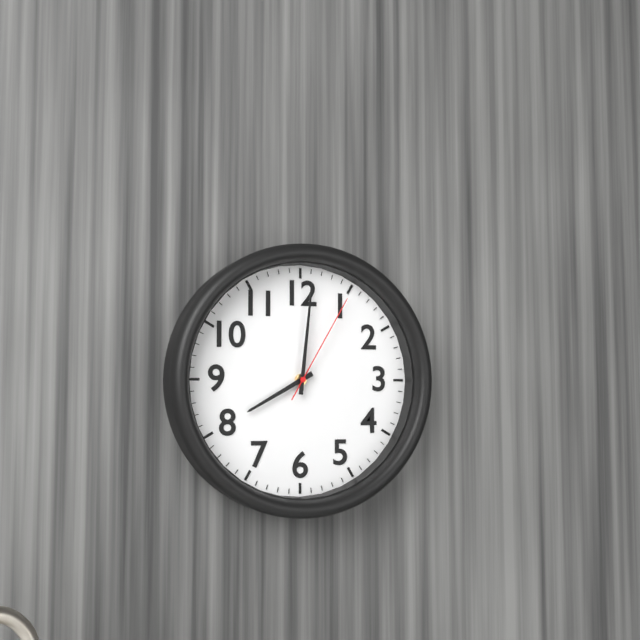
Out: {"hour": 8, "minute": 1, "second": 5}
